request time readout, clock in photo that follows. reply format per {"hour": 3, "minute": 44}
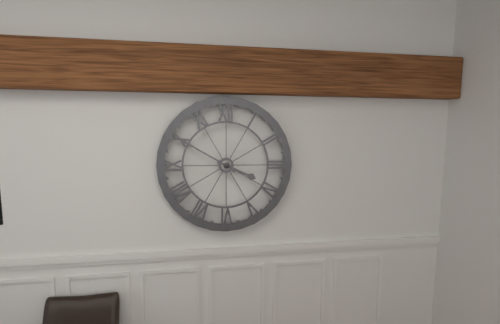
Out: {"hour": 3, "minute": 50}
